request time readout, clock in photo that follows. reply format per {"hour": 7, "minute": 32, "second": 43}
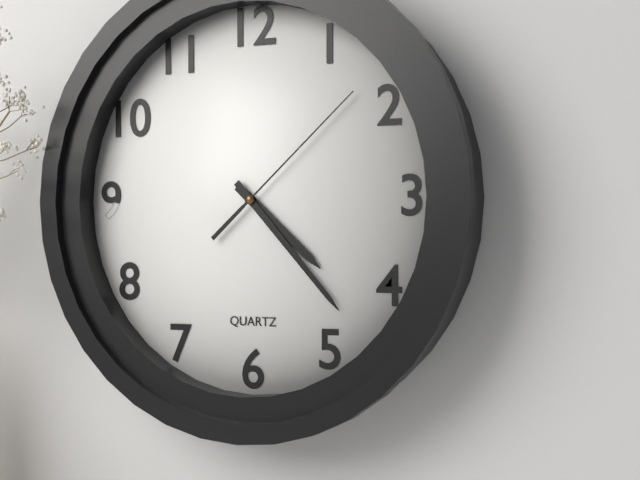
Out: {"hour": 4, "minute": 23, "second": 8}
